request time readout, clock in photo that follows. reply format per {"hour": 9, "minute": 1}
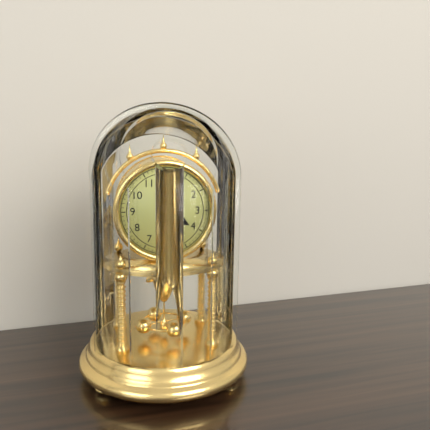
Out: {"hour": 4, "minute": 3}
